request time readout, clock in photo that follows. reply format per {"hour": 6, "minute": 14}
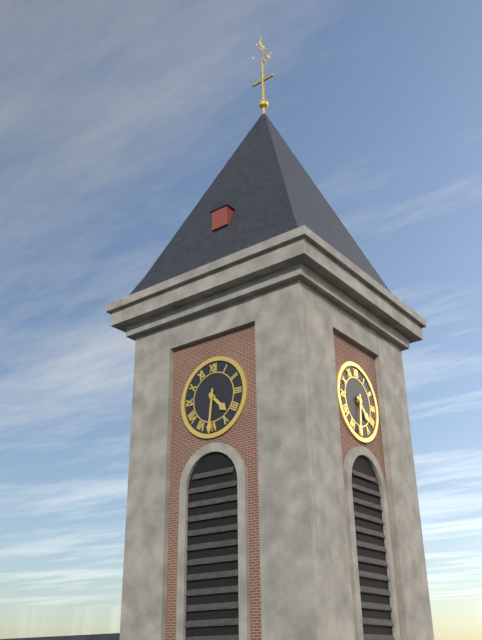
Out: {"hour": 4, "minute": 31}
